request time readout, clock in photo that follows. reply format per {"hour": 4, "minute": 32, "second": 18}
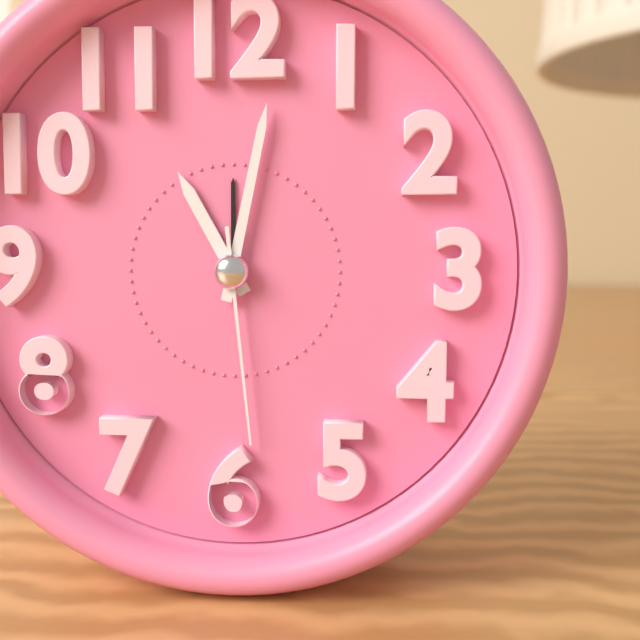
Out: {"hour": 11, "minute": 2, "second": 29}
